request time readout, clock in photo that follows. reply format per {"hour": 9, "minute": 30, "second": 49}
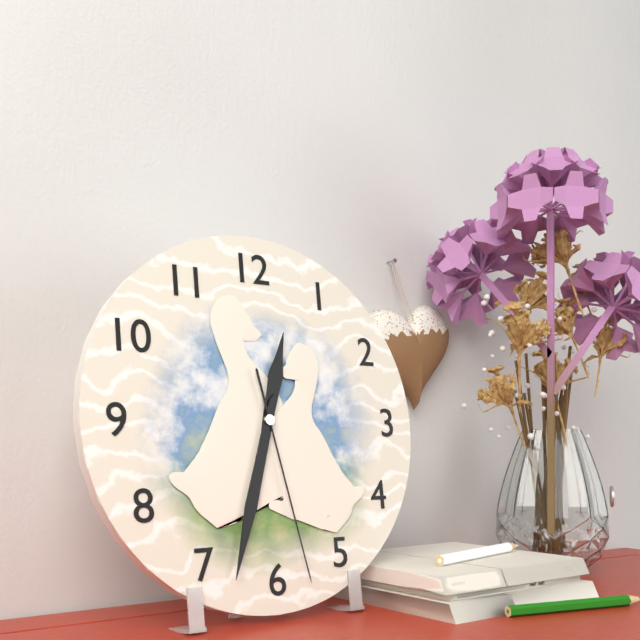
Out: {"hour": 12, "minute": 33, "second": 28}
